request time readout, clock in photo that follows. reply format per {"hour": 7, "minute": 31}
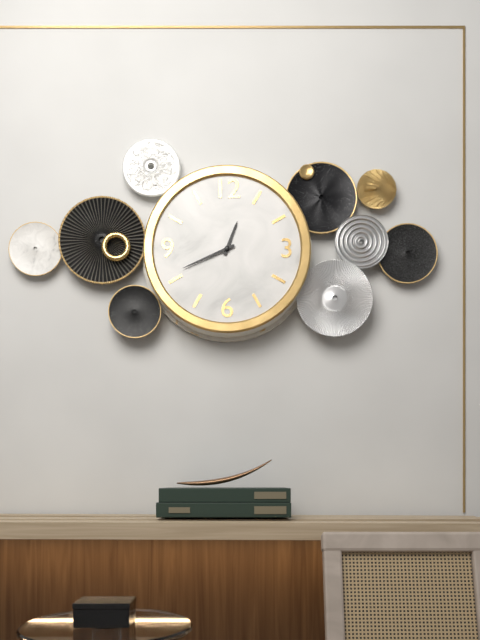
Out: {"hour": 12, "minute": 41}
